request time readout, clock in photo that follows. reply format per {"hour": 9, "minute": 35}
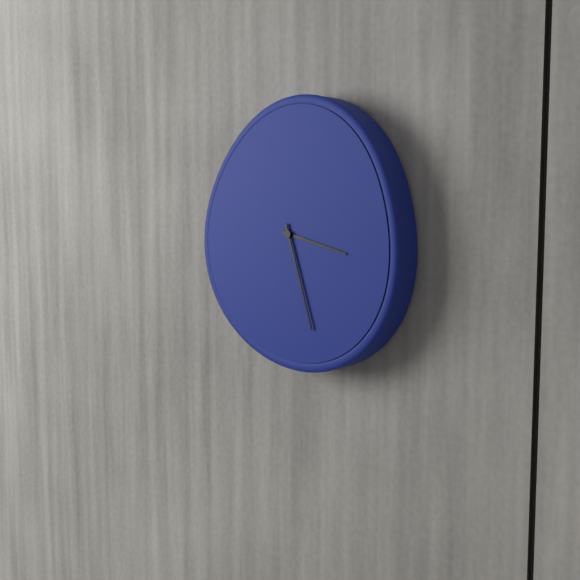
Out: {"hour": 3, "minute": 27}
